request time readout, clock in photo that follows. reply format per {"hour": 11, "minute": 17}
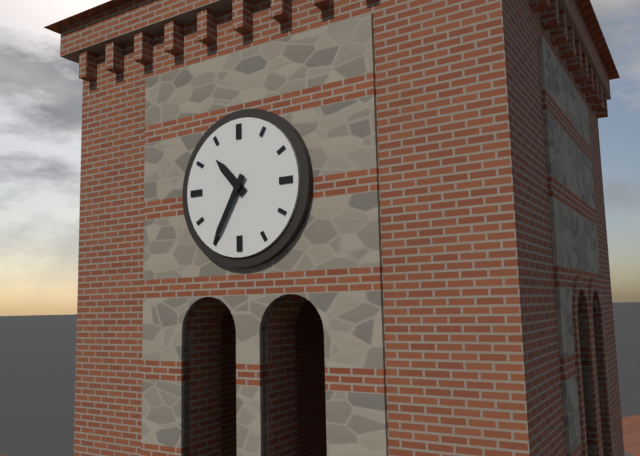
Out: {"hour": 10, "minute": 35}
